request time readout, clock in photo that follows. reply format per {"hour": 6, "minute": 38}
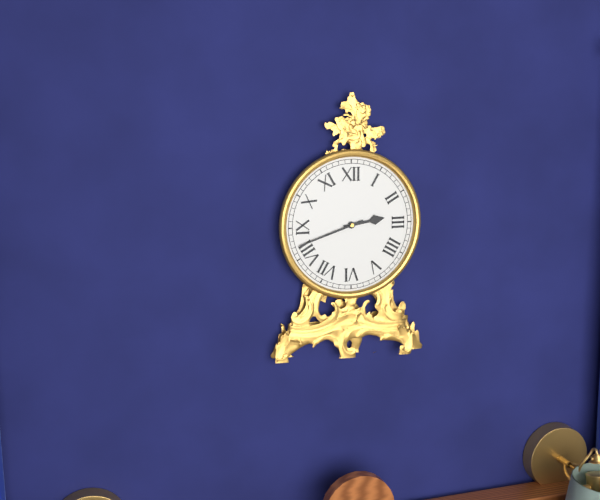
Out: {"hour": 2, "minute": 42}
